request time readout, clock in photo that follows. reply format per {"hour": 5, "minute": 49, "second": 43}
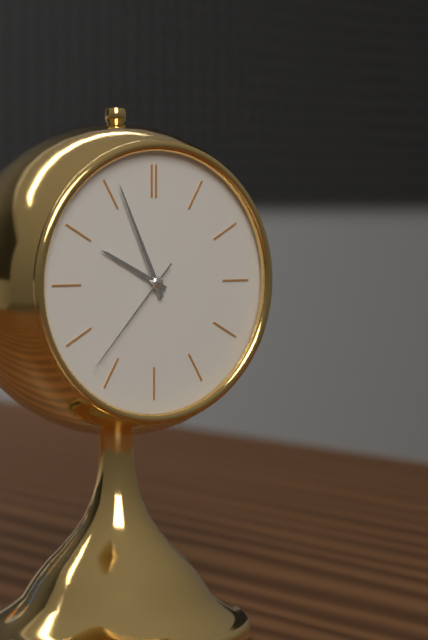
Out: {"hour": 9, "minute": 56, "second": 37}
